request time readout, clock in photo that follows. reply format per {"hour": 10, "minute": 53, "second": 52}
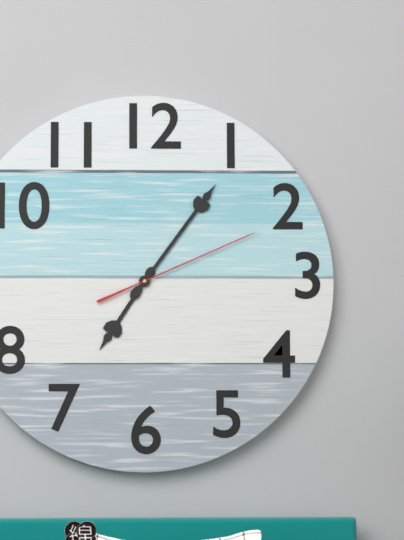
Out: {"hour": 7, "minute": 6, "second": 11}
